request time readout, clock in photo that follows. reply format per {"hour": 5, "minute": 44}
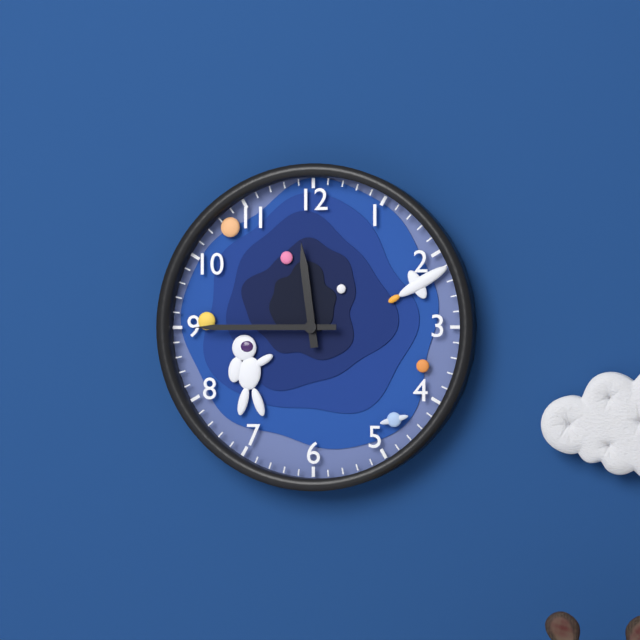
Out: {"hour": 11, "minute": 45}
